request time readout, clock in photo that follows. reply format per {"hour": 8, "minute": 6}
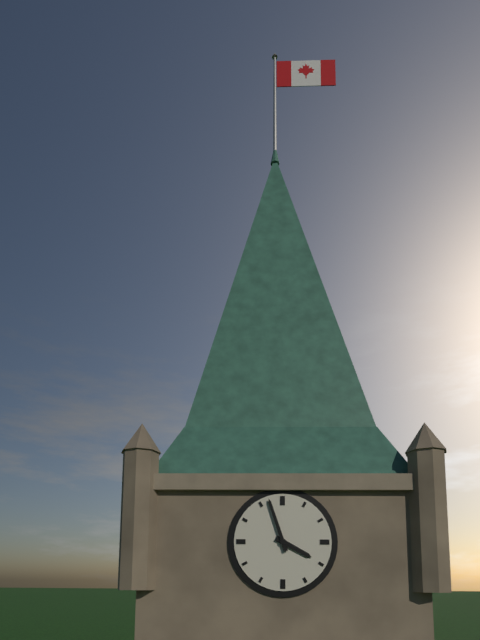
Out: {"hour": 3, "minute": 57}
